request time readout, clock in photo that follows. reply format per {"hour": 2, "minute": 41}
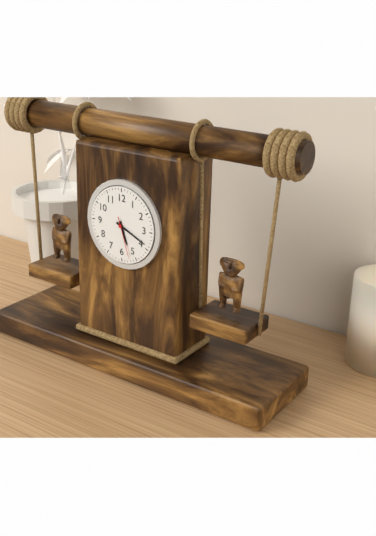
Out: {"hour": 5, "minute": 19}
